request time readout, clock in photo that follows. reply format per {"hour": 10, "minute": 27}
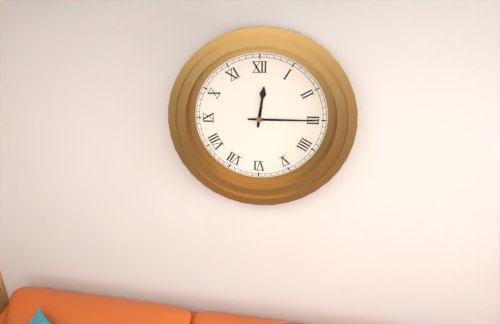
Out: {"hour": 12, "minute": 15}
